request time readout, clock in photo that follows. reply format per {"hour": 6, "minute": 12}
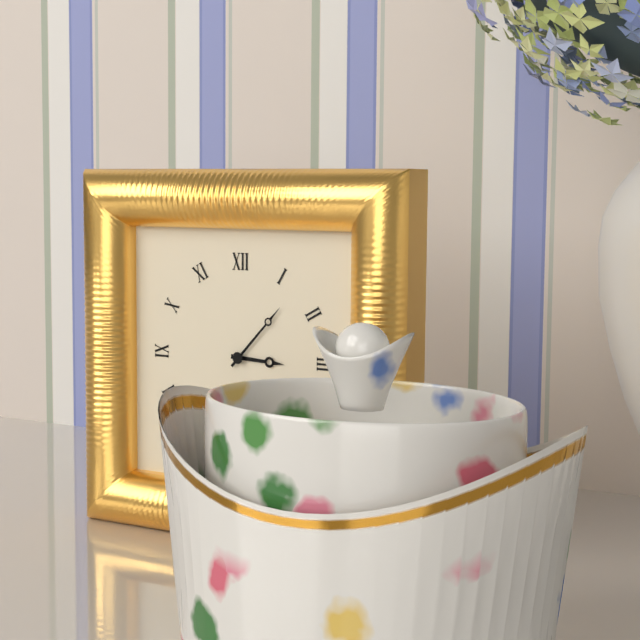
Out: {"hour": 3, "minute": 7}
